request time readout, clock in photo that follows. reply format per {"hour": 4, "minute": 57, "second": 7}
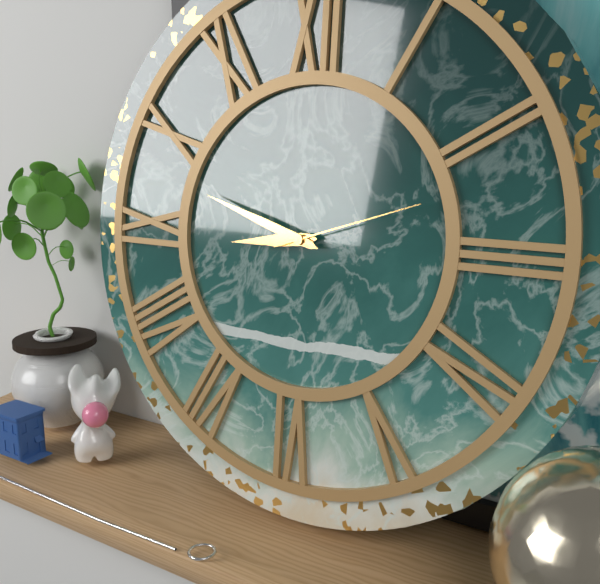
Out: {"hour": 8, "minute": 48, "second": 12}
